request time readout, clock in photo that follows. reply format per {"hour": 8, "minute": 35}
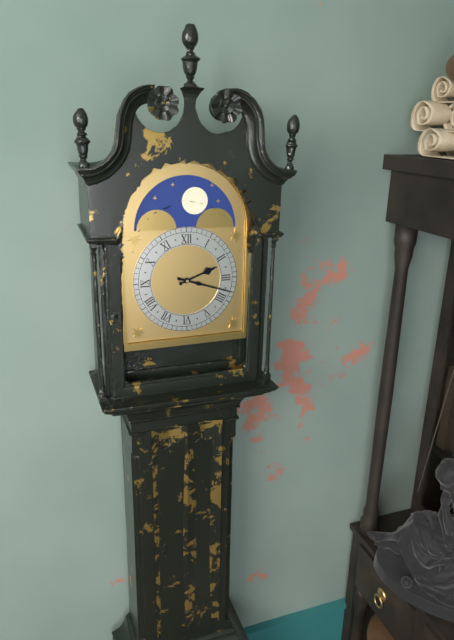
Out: {"hour": 2, "minute": 18}
